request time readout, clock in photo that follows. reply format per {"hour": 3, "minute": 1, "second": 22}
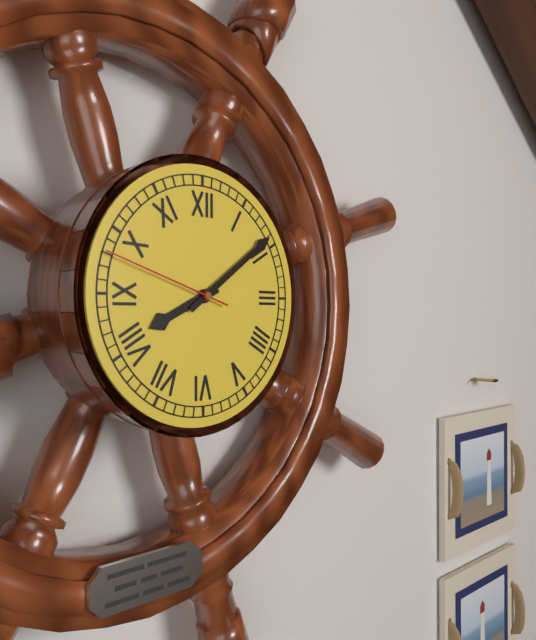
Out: {"hour": 8, "minute": 9, "second": 48}
